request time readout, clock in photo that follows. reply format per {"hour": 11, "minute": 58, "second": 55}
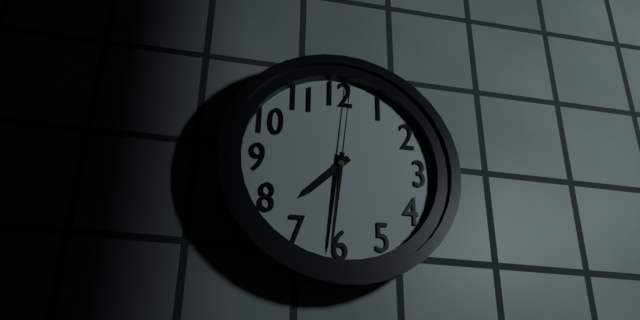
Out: {"hour": 7, "minute": 31, "second": 1}
